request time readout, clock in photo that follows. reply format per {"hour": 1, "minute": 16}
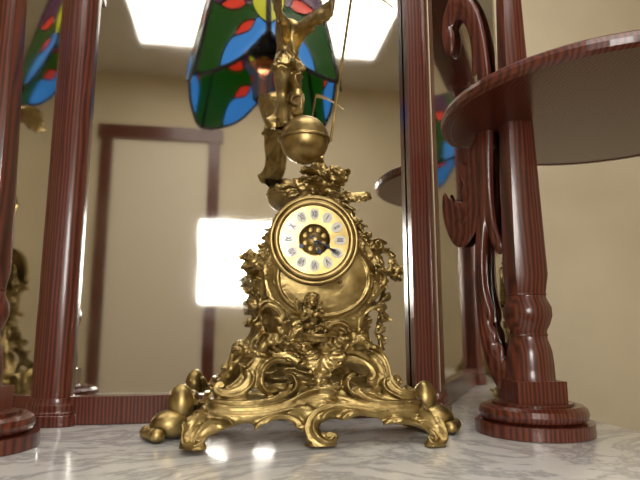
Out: {"hour": 5, "minute": 20}
